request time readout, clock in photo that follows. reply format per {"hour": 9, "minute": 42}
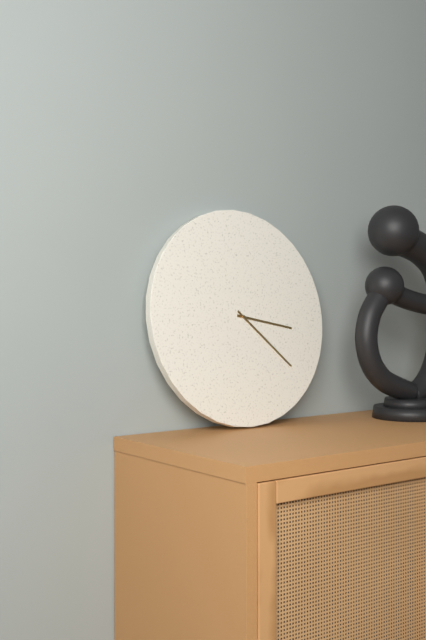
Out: {"hour": 3, "minute": 22}
